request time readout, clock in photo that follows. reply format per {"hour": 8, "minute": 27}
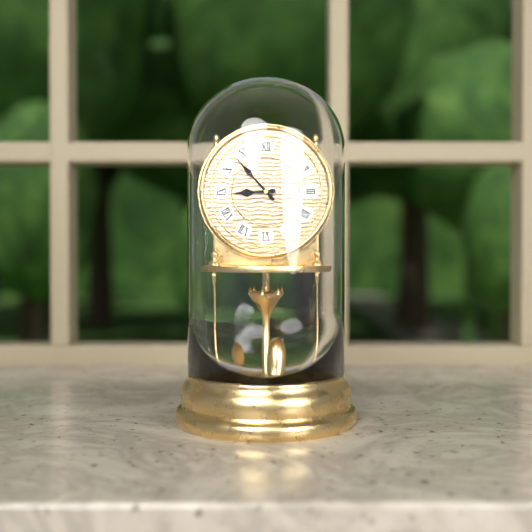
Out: {"hour": 8, "minute": 53}
